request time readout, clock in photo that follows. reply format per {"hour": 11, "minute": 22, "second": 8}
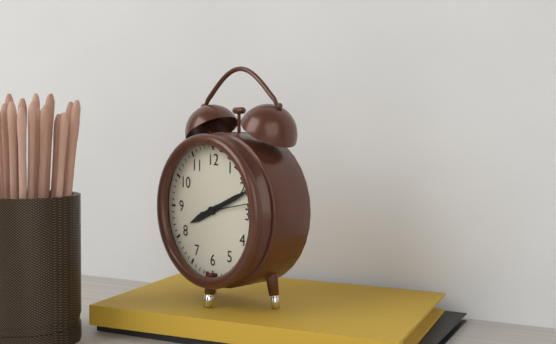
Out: {"hour": 8, "minute": 11, "second": 13}
